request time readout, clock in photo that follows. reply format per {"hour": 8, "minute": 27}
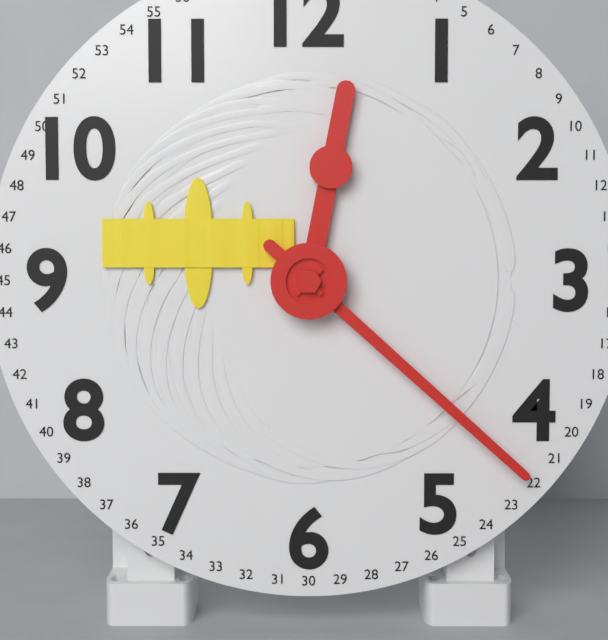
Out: {"hour": 12, "minute": 22}
